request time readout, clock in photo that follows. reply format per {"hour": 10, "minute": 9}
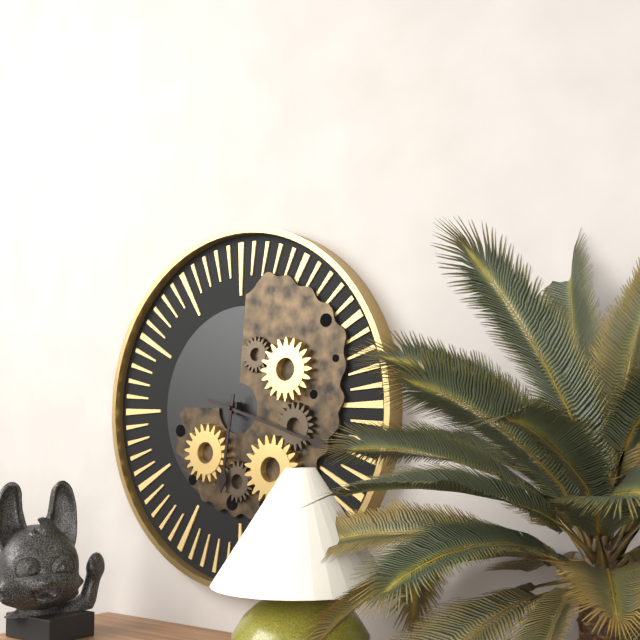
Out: {"hour": 6, "minute": 18}
